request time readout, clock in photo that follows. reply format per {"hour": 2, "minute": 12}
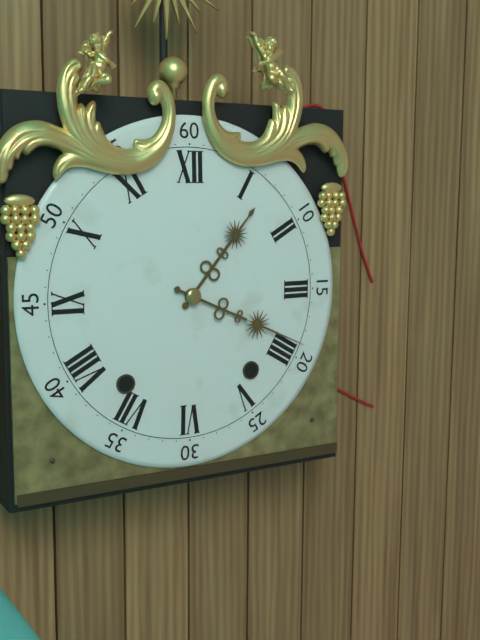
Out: {"hour": 1, "minute": 19}
